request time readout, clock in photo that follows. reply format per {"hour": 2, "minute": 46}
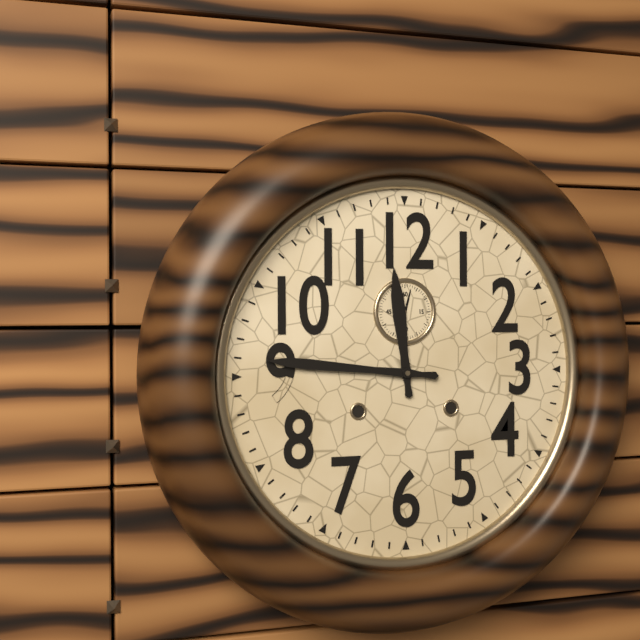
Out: {"hour": 11, "minute": 46}
